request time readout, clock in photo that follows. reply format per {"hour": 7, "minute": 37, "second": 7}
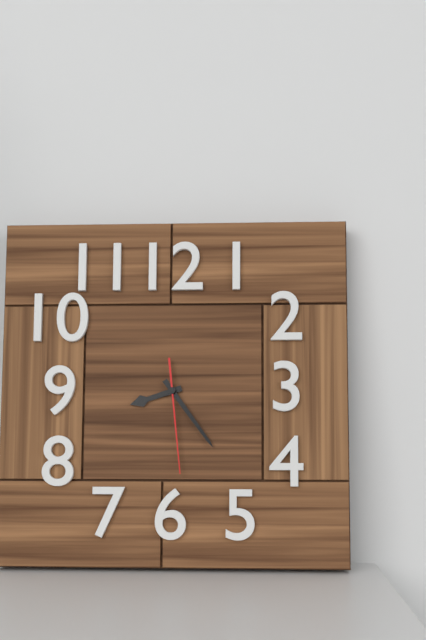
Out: {"hour": 8, "minute": 24, "second": 29}
